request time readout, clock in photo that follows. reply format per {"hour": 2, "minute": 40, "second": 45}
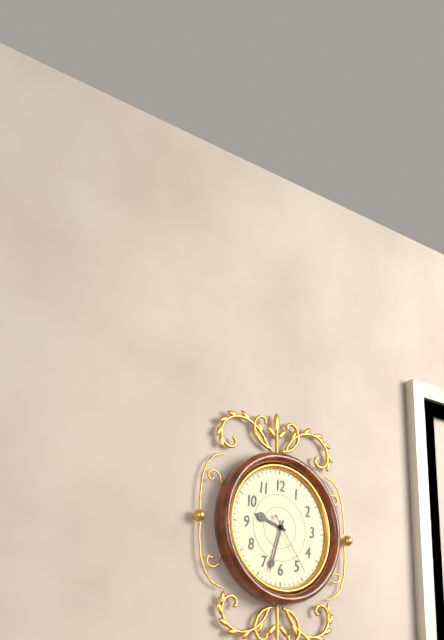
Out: {"hour": 9, "minute": 33, "second": 24}
